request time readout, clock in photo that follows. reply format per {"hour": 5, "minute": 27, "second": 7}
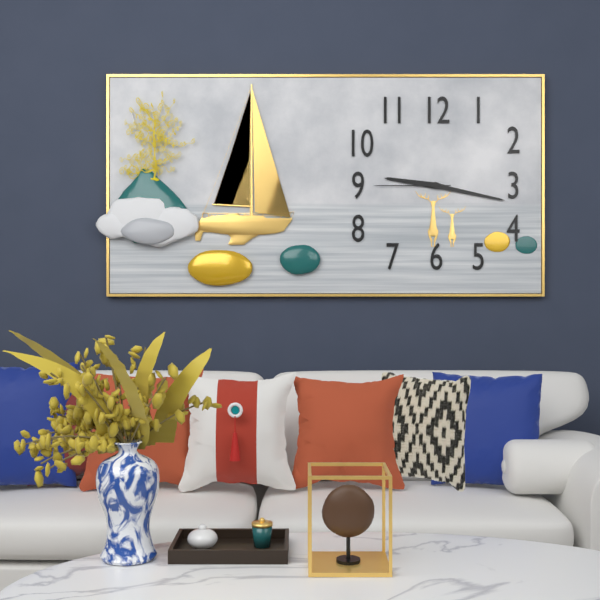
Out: {"hour": 9, "minute": 17, "second": 45}
